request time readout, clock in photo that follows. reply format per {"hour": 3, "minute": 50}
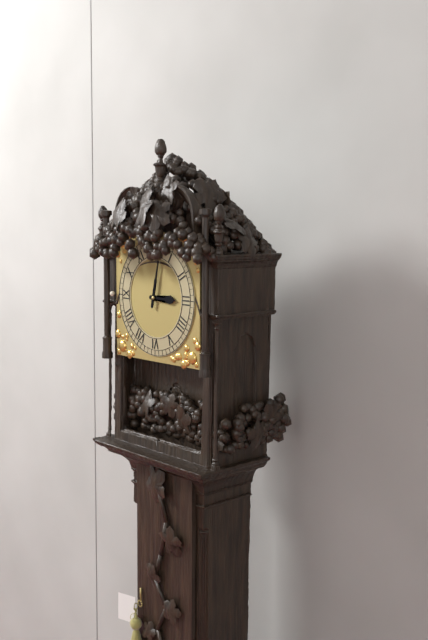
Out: {"hour": 3, "minute": 2}
